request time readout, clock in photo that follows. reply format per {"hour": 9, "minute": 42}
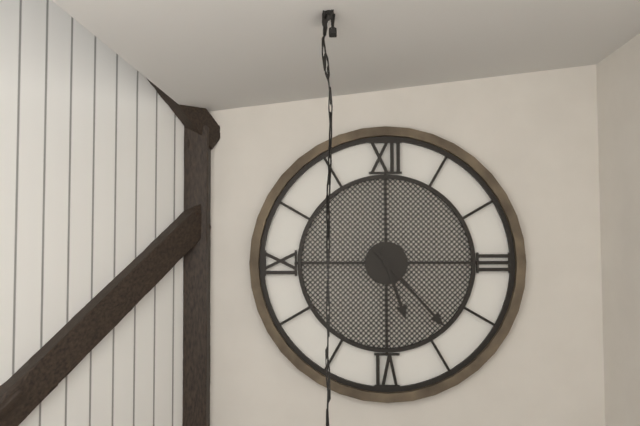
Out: {"hour": 5, "minute": 23}
